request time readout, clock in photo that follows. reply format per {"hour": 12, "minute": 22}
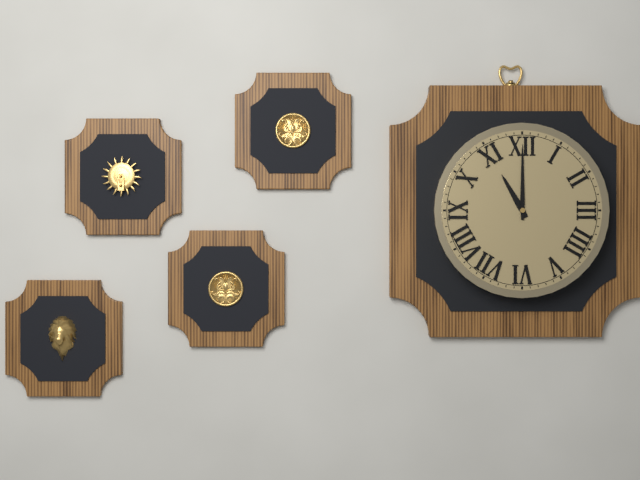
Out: {"hour": 11, "minute": 0}
